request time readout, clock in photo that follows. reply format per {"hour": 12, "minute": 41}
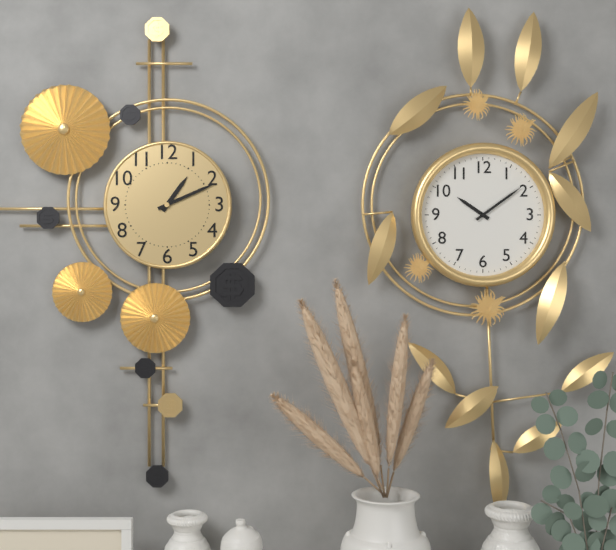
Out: {"hour": 1, "minute": 11}
